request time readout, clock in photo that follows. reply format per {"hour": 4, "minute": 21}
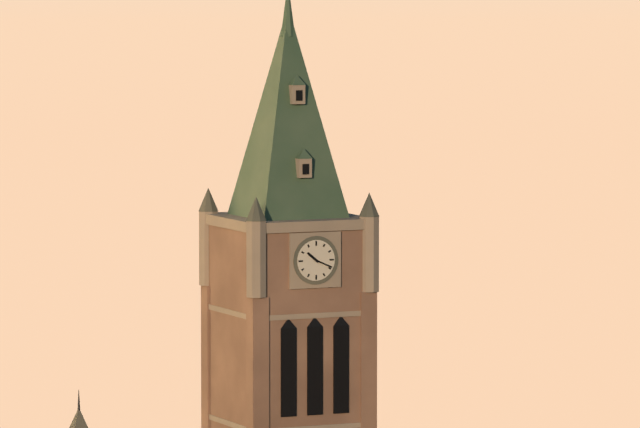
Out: {"hour": 10, "minute": 19}
